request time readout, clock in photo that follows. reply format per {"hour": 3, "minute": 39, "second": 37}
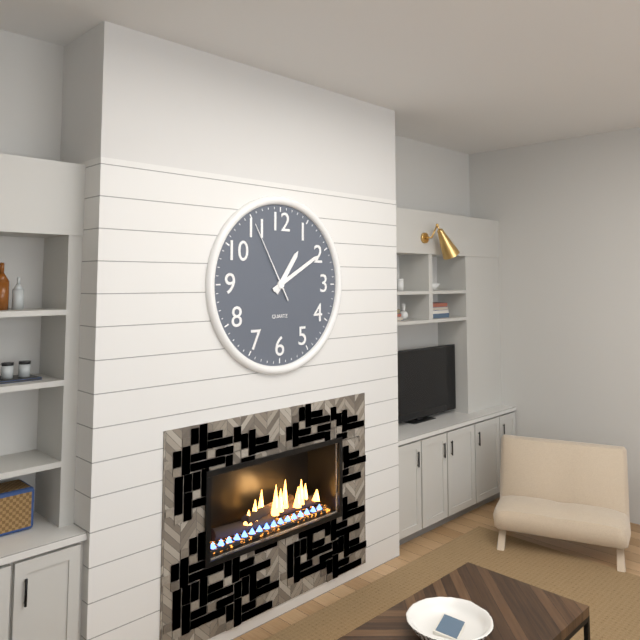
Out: {"hour": 1, "minute": 10, "second": 55}
